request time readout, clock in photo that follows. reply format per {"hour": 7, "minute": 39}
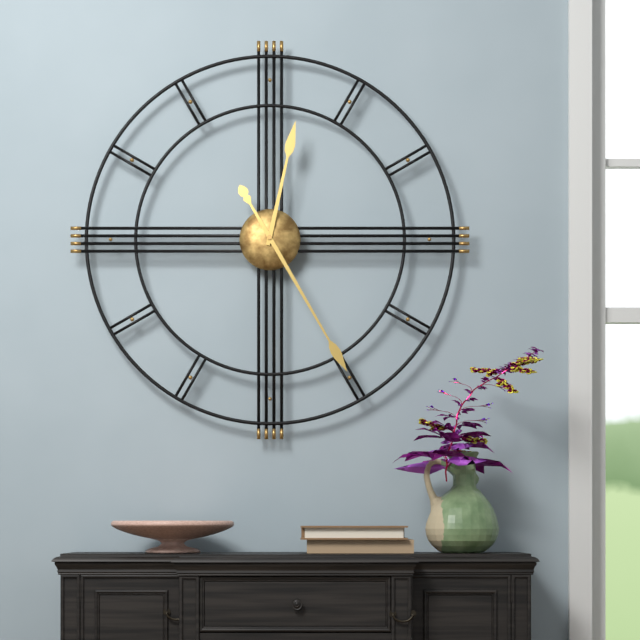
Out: {"hour": 12, "minute": 25}
